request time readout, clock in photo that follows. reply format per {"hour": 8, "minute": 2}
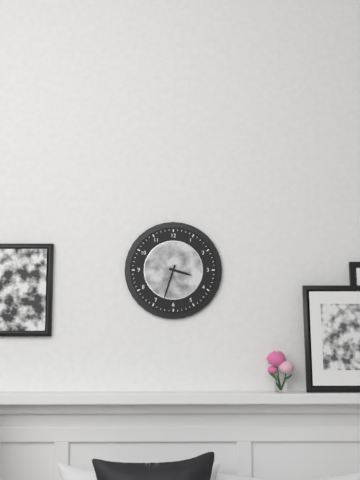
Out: {"hour": 3, "minute": 33}
